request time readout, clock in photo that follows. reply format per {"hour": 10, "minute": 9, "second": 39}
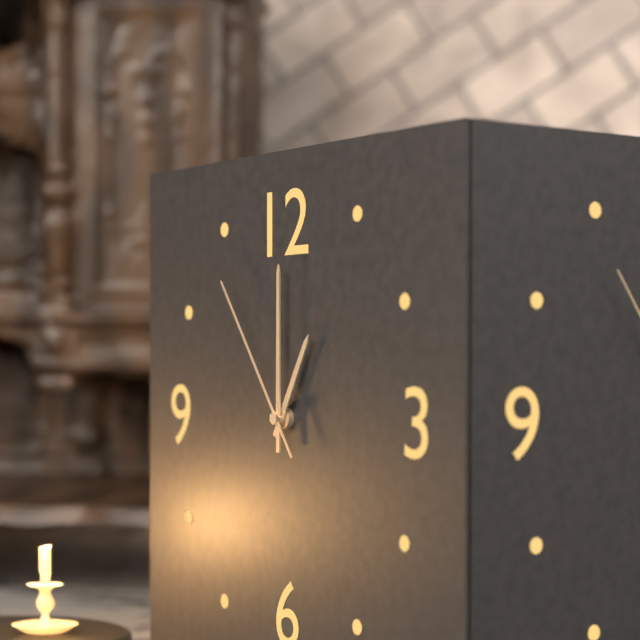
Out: {"hour": 1, "minute": 0, "second": 54}
